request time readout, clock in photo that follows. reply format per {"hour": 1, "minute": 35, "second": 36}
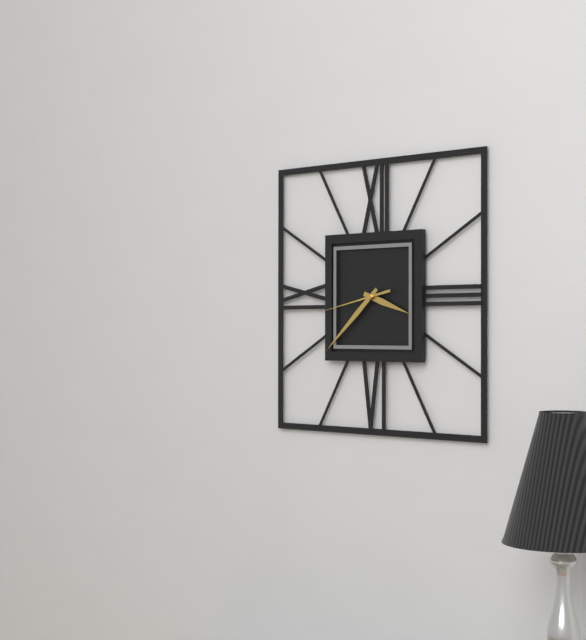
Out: {"hour": 3, "minute": 38, "second": 43}
